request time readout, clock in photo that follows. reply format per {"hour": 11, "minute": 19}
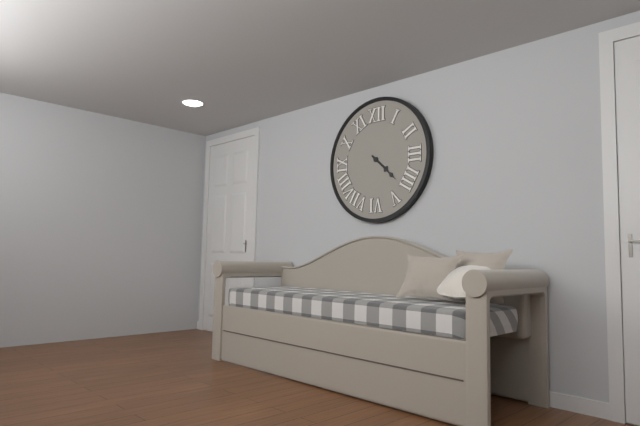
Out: {"hour": 4, "minute": 22}
